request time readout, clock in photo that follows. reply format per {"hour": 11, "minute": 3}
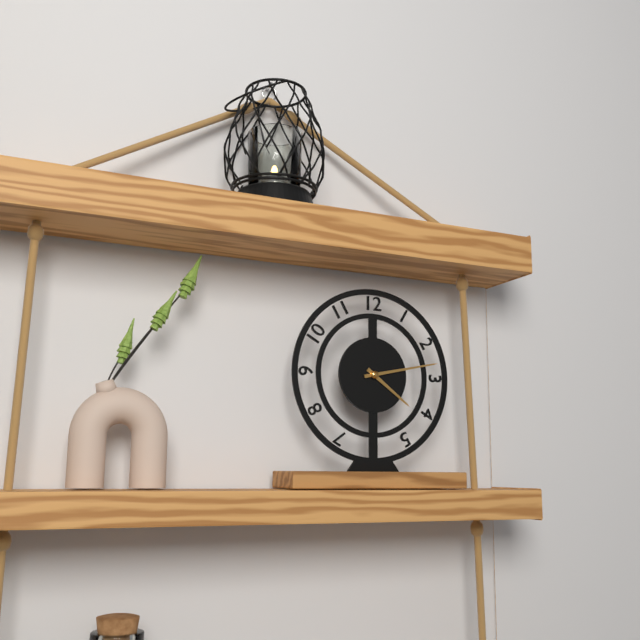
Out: {"hour": 4, "minute": 13}
